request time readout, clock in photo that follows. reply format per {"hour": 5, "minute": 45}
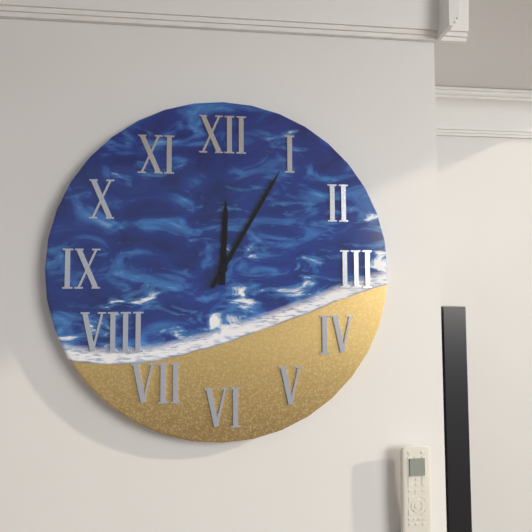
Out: {"hour": 12, "minute": 5}
